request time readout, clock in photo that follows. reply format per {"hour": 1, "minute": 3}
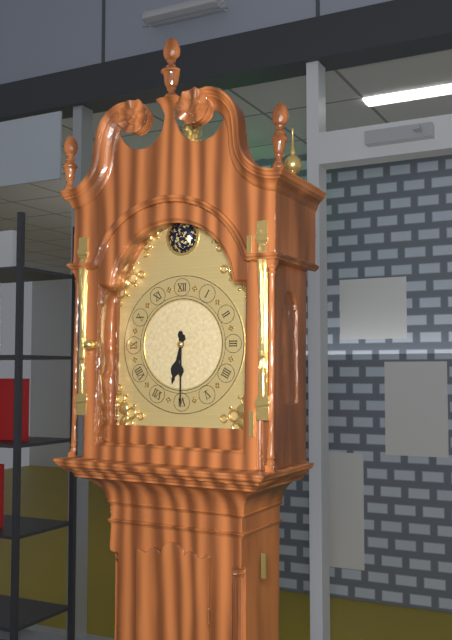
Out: {"hour": 6, "minute": 30}
